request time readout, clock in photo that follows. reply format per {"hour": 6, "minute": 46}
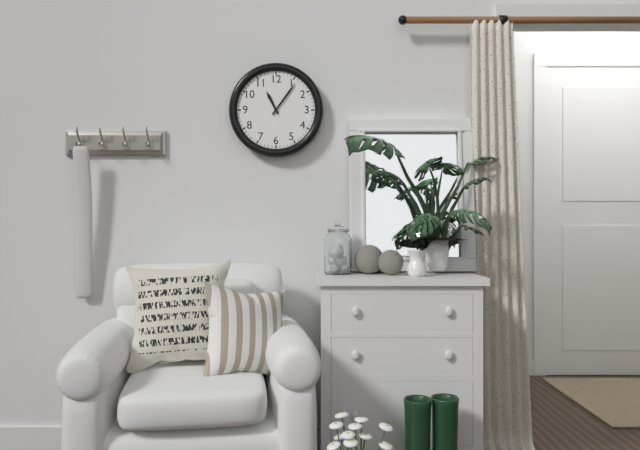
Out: {"hour": 11, "minute": 6}
